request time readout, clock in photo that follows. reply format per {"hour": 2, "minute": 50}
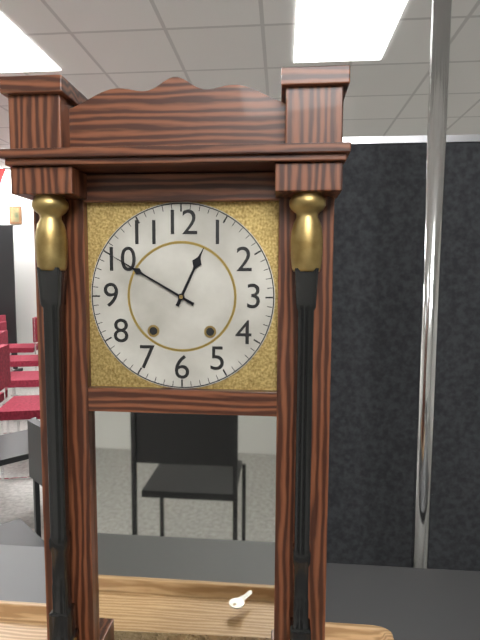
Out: {"hour": 12, "minute": 50}
